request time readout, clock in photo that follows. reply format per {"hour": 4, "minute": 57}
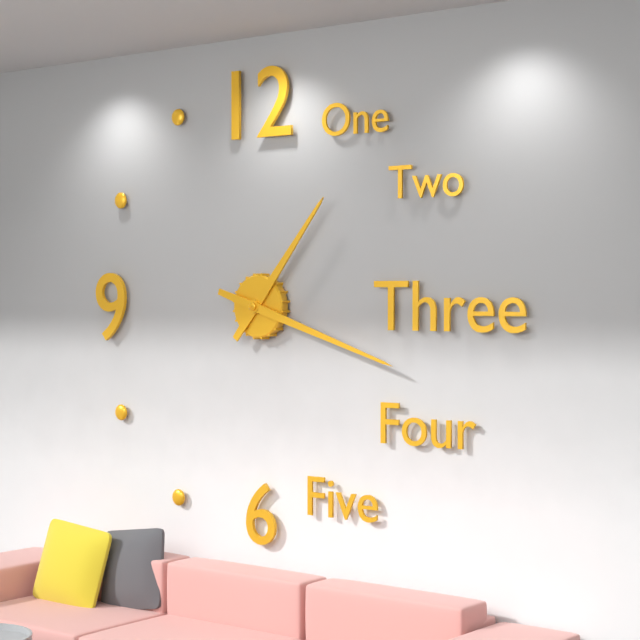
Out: {"hour": 1, "minute": 18}
